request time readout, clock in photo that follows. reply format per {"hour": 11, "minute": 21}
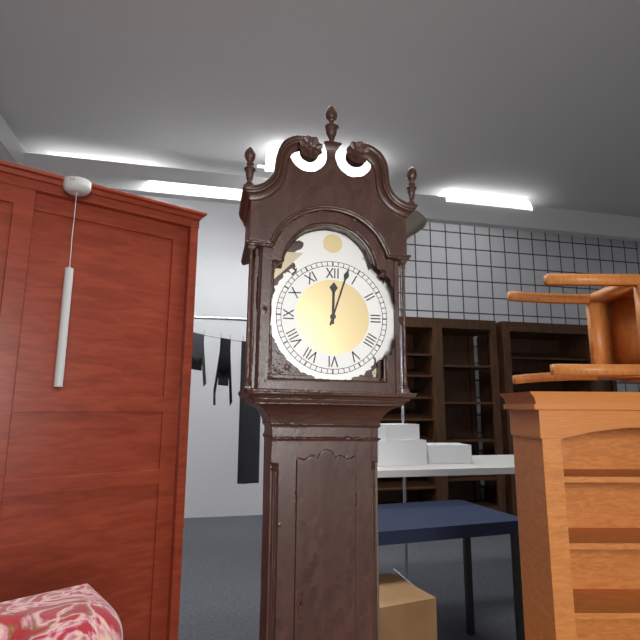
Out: {"hour": 12, "minute": 3}
